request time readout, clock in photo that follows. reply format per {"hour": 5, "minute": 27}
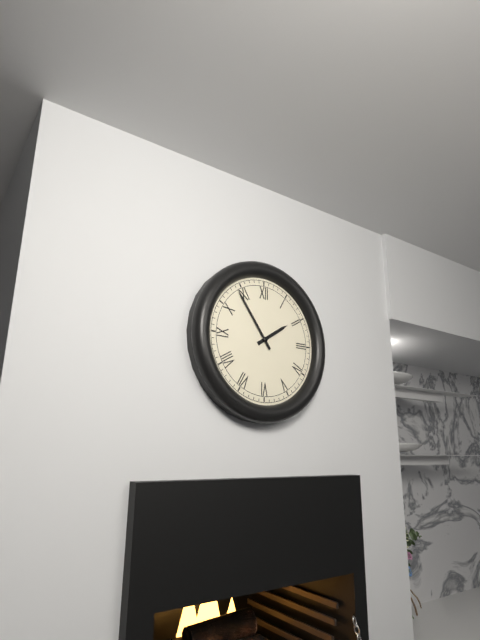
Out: {"hour": 1, "minute": 54}
